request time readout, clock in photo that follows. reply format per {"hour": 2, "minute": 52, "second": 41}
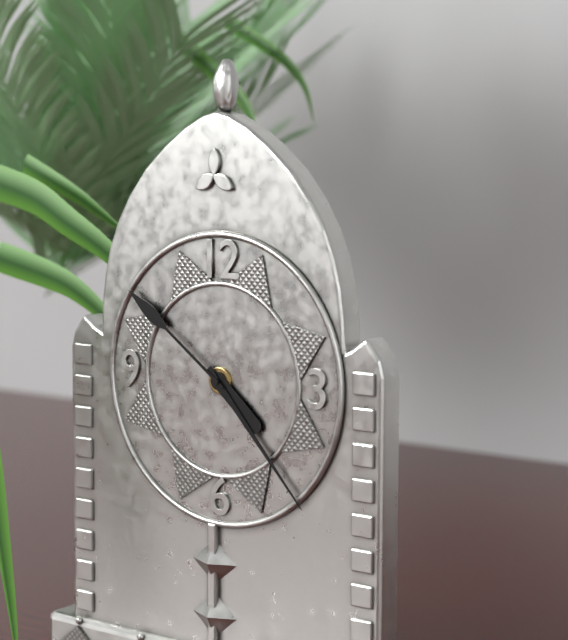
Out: {"hour": 4, "minute": 23, "second": 51}
